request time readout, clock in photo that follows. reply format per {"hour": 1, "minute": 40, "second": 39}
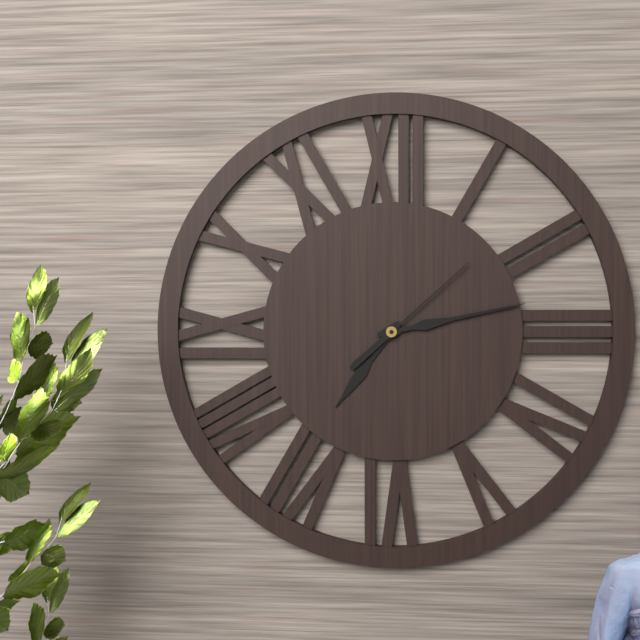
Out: {"hour": 7, "minute": 13, "second": 8}
